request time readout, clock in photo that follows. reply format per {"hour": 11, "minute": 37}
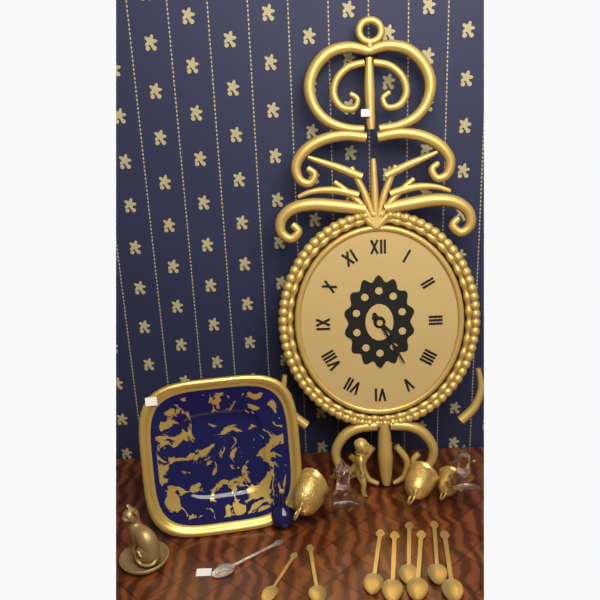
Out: {"hour": 4, "minute": 25}
